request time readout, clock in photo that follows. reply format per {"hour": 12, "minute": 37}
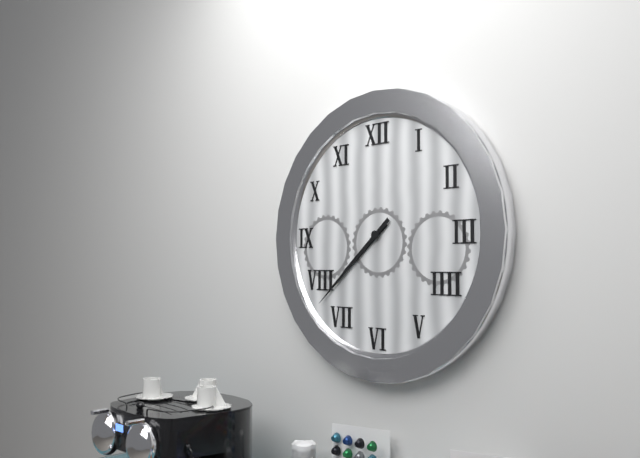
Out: {"hour": 7, "minute": 38}
